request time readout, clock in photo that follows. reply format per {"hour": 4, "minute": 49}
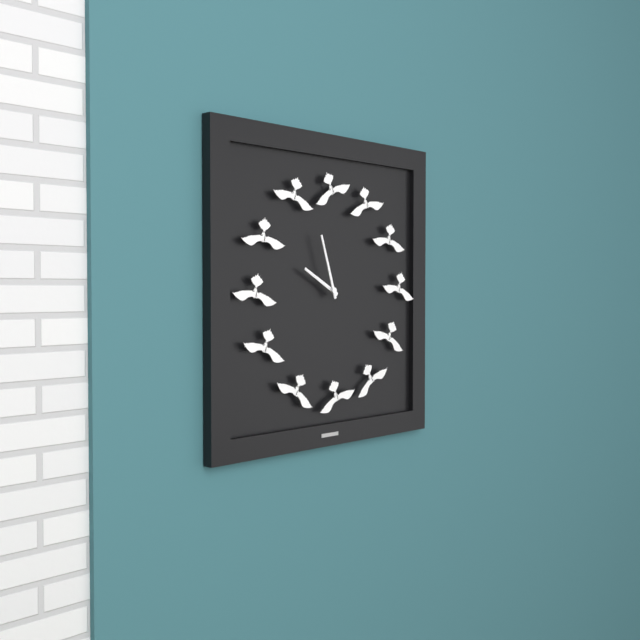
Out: {"hour": 9, "minute": 57}
